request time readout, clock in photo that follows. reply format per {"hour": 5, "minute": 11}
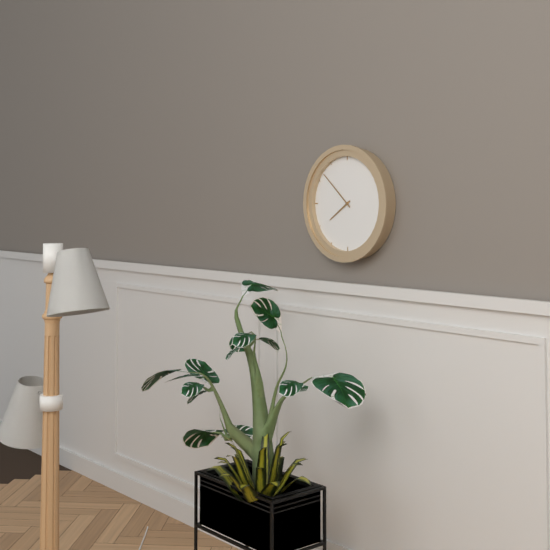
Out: {"hour": 7, "minute": 52}
